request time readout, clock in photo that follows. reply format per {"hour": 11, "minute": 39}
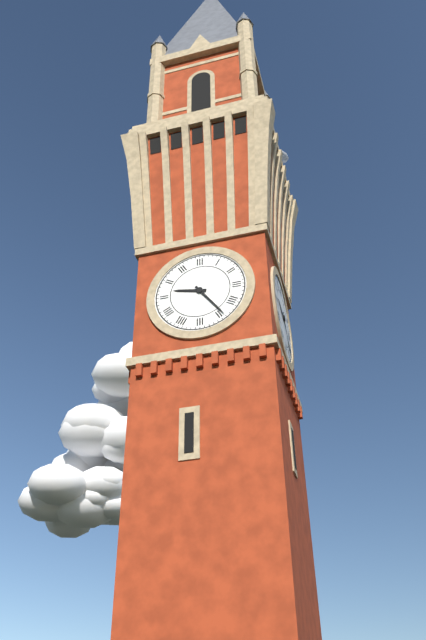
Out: {"hour": 9, "minute": 24}
